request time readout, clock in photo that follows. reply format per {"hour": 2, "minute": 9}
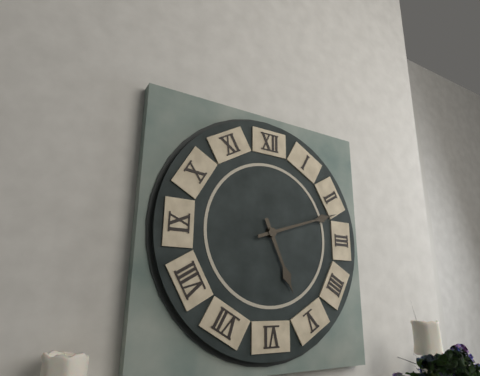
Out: {"hour": 5, "minute": 12}
